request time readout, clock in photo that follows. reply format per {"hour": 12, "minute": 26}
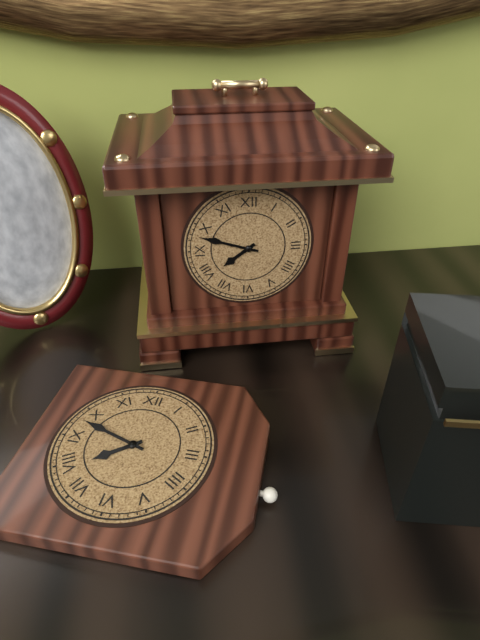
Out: {"hour": 7, "minute": 48}
